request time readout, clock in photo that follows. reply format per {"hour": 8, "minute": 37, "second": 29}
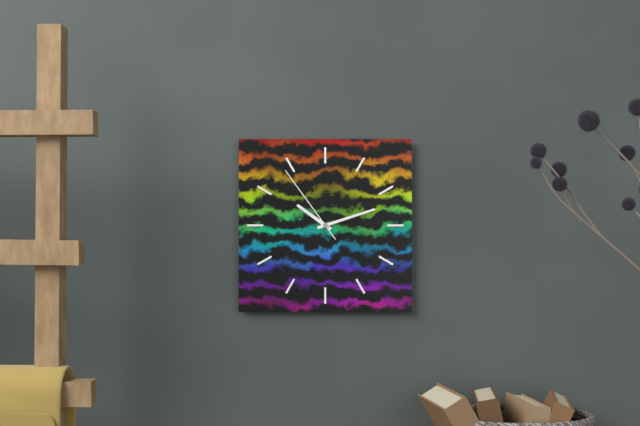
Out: {"hour": 10, "minute": 12, "second": 54}
